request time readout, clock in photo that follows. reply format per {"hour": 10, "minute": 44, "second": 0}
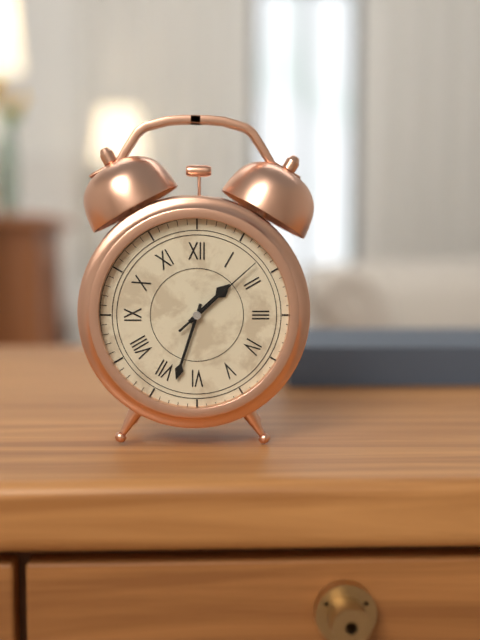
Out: {"hour": 1, "minute": 33, "second": 8}
